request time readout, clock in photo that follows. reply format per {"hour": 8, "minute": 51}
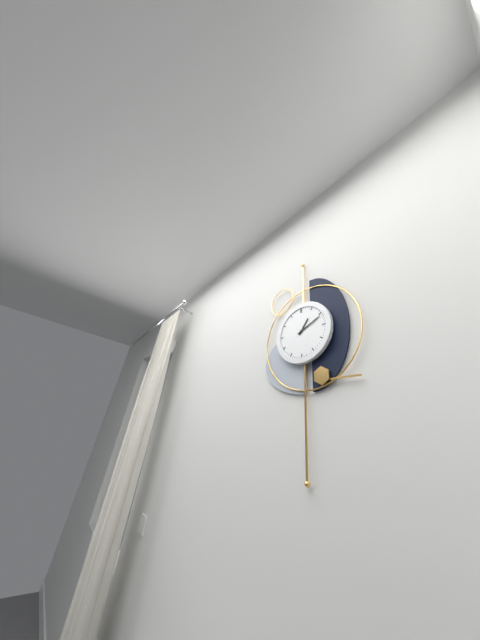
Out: {"hour": 1, "minute": 11}
